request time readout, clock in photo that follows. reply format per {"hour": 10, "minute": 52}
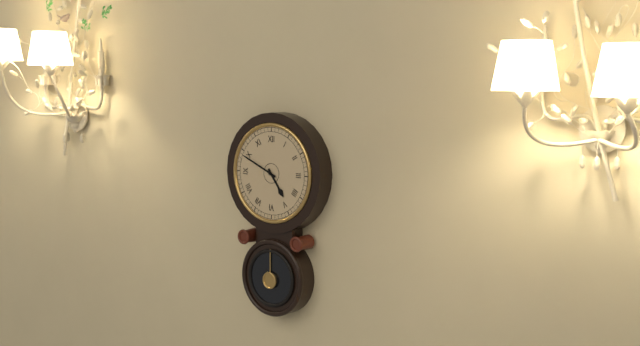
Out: {"hour": 4, "minute": 49}
